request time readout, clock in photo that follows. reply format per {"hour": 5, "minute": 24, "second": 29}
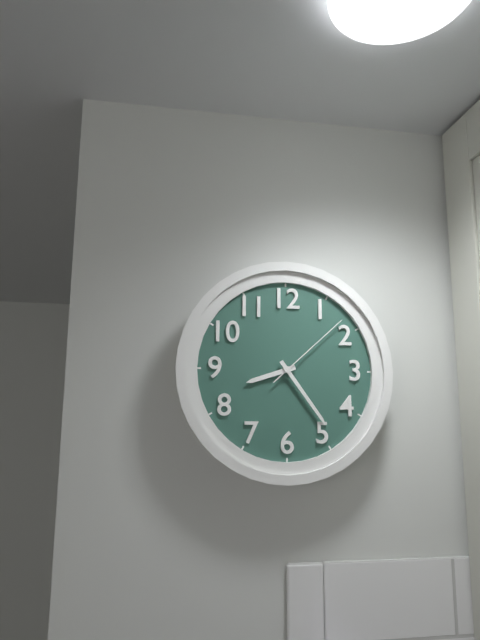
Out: {"hour": 8, "minute": 24, "second": 8}
